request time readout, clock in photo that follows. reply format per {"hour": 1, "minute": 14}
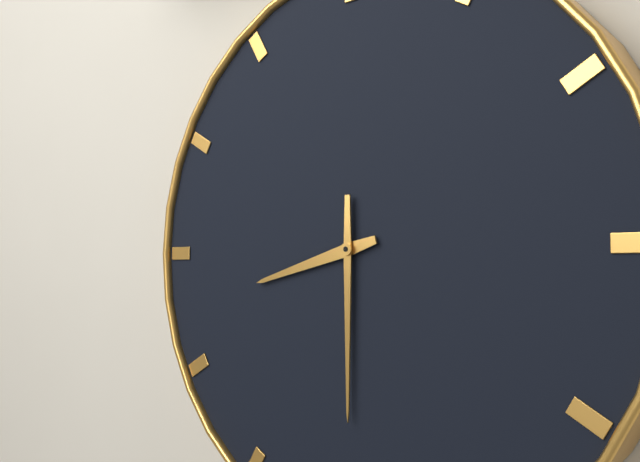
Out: {"hour": 8, "minute": 30}
